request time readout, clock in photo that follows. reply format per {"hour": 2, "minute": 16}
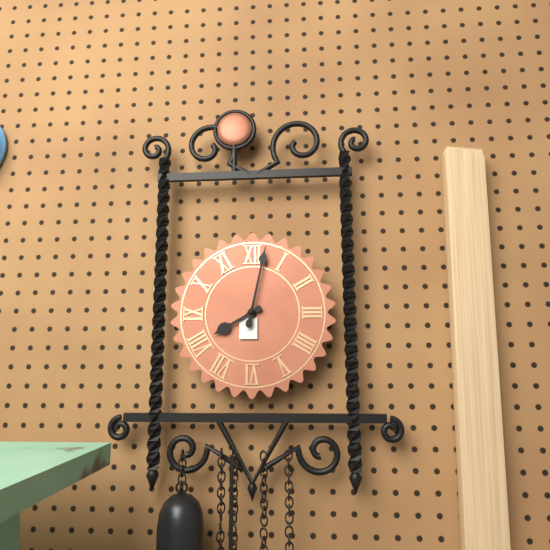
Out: {"hour": 8, "minute": 2}
